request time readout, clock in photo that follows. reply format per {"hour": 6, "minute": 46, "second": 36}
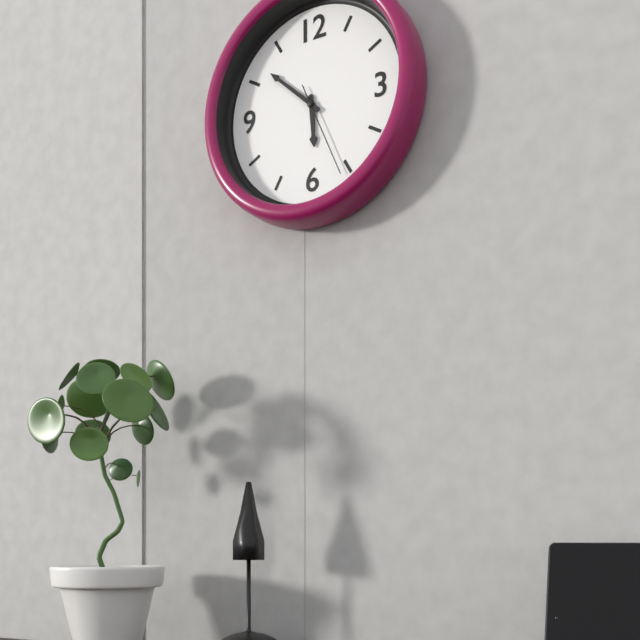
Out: {"hour": 5, "minute": 52, "second": 26}
